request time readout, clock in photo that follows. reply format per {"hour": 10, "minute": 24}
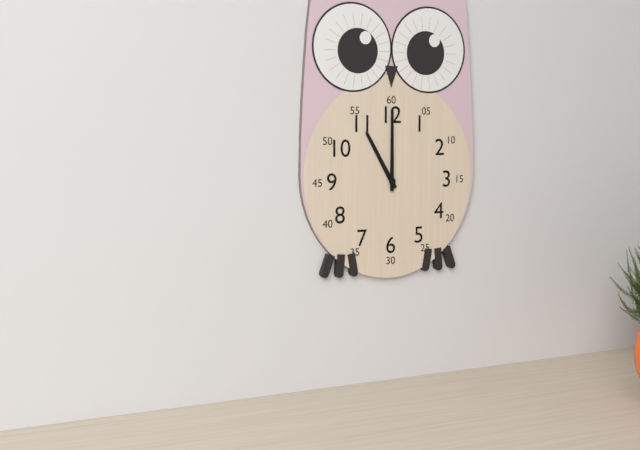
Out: {"hour": 11, "minute": 0}
